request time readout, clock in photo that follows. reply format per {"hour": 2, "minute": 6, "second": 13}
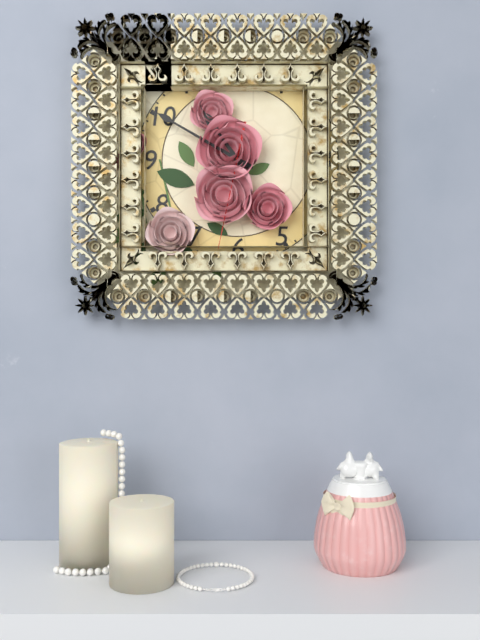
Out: {"hour": 10, "minute": 50, "second": 32}
